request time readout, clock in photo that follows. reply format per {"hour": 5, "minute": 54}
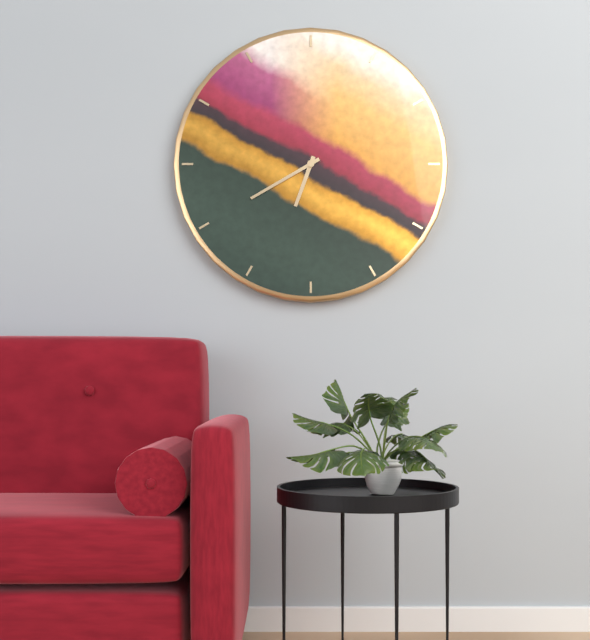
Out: {"hour": 6, "minute": 40}
